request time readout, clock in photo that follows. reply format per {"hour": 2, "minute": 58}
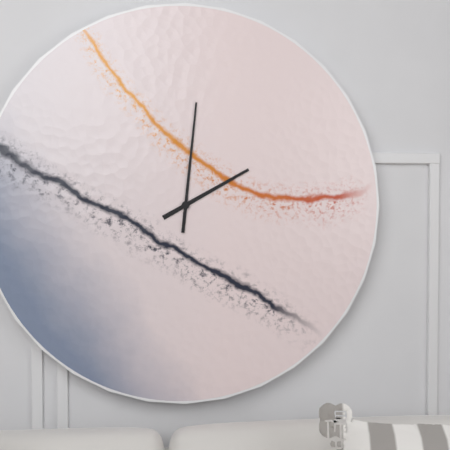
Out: {"hour": 2, "minute": 1}
